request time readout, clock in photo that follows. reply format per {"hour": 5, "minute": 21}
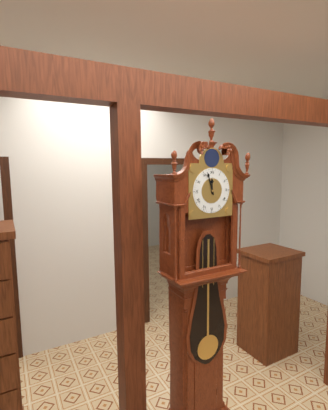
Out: {"hour": 11, "minute": 57}
